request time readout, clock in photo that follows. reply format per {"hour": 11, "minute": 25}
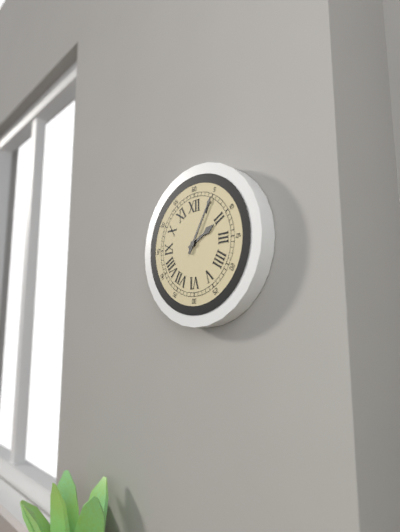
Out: {"hour": 2, "minute": 5}
